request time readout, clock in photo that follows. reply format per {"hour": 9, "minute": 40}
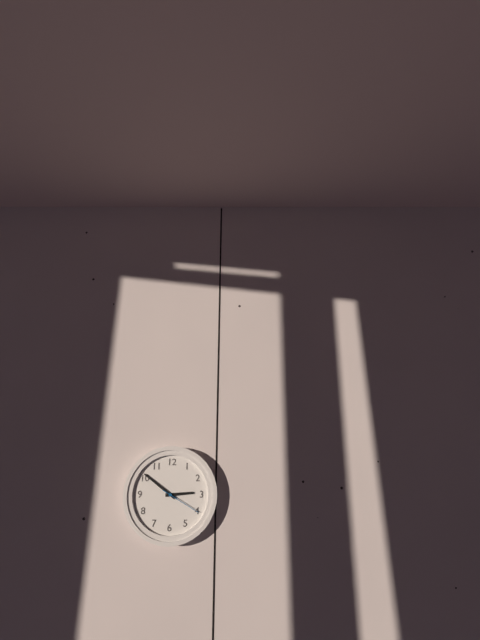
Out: {"hour": 2, "minute": 51}
